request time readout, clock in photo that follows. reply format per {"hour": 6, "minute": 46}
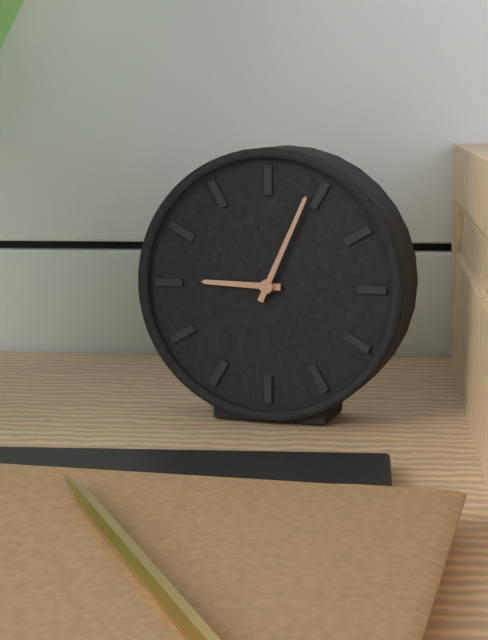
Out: {"hour": 9, "minute": 4}
